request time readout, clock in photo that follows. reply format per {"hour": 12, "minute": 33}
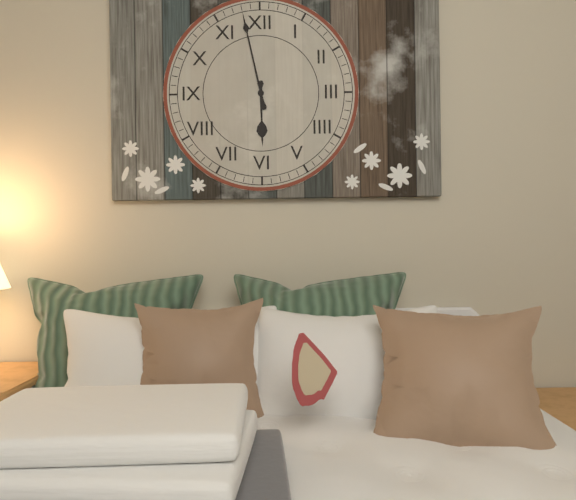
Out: {"hour": 5, "minute": 58}
